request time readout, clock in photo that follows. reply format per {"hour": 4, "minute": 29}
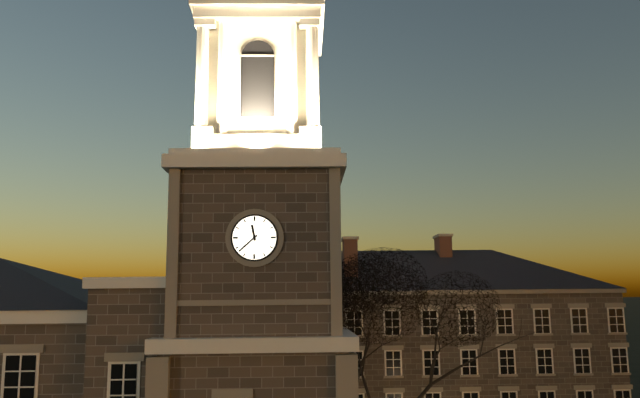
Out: {"hour": 11, "minute": 38}
